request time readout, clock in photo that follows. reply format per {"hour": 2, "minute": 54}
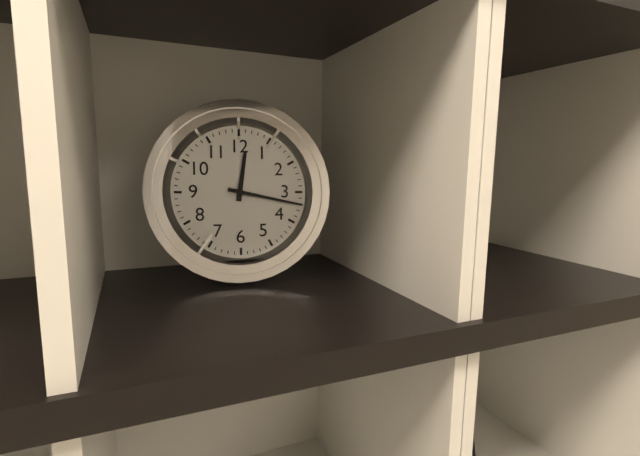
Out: {"hour": 12, "minute": 17}
